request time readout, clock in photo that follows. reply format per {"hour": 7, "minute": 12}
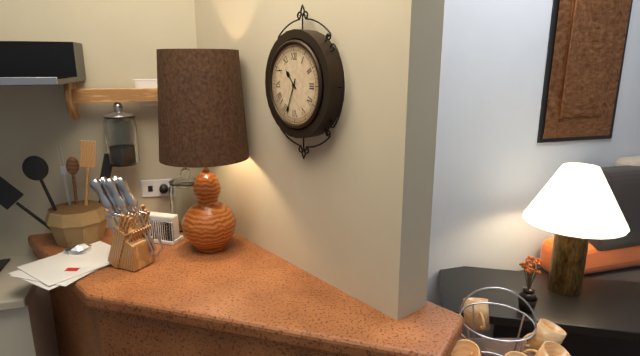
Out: {"hour": 10, "minute": 34}
